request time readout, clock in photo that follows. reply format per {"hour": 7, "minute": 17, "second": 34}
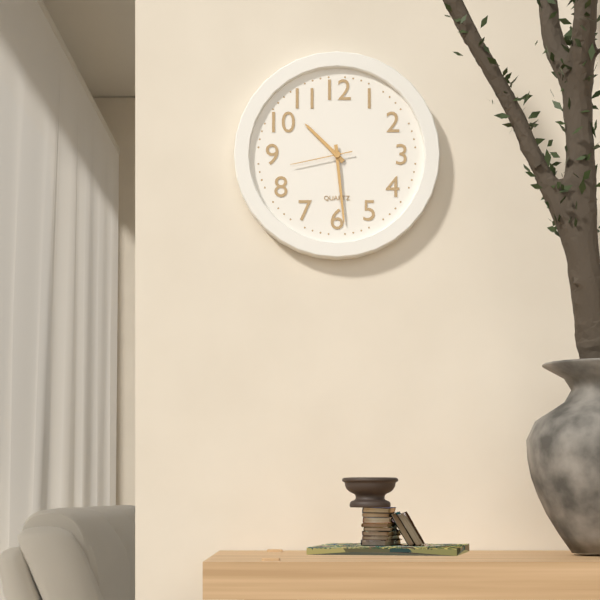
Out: {"hour": 10, "minute": 29, "second": 43}
